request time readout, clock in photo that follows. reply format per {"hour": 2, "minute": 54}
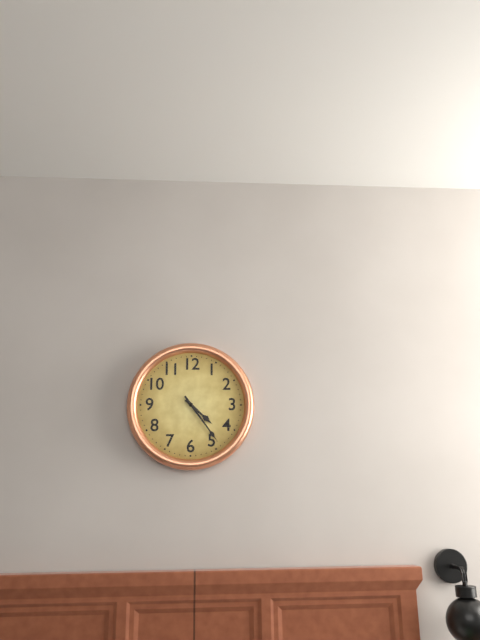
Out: {"hour": 4, "minute": 24}
